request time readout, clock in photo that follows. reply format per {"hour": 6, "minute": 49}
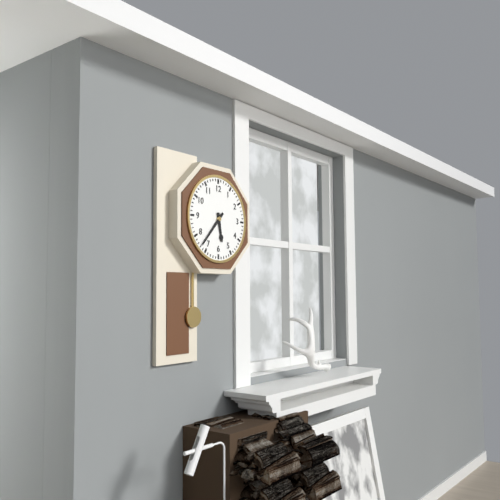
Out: {"hour": 5, "minute": 37}
